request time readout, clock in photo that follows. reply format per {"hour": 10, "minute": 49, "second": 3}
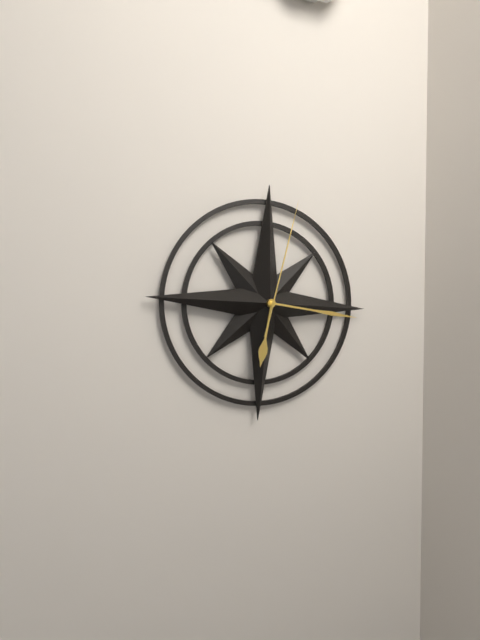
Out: {"hour": 6, "minute": 16, "second": 2}
